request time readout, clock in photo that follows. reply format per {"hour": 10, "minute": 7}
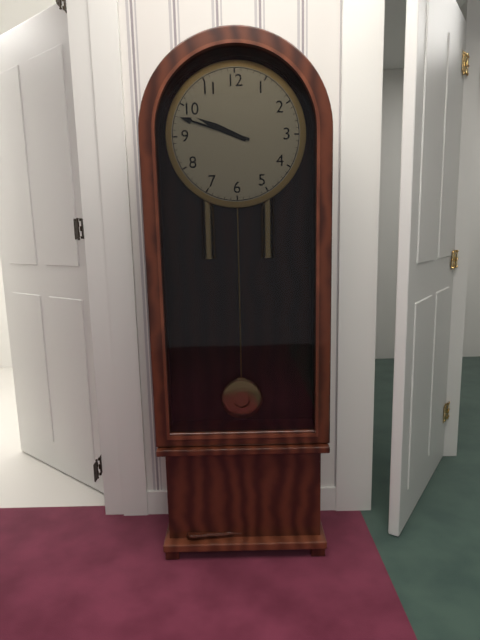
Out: {"hour": 9, "minute": 48}
